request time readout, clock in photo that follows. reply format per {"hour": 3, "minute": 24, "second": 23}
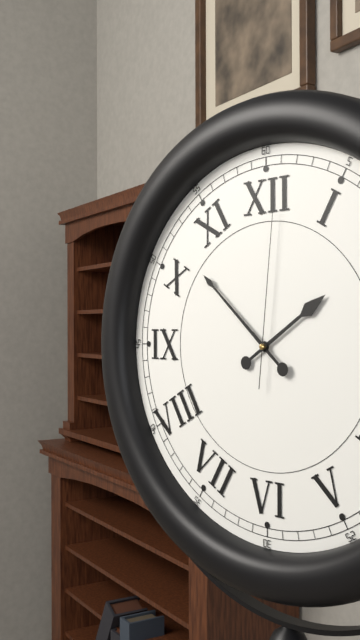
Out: {"hour": 1, "minute": 52, "second": 1}
